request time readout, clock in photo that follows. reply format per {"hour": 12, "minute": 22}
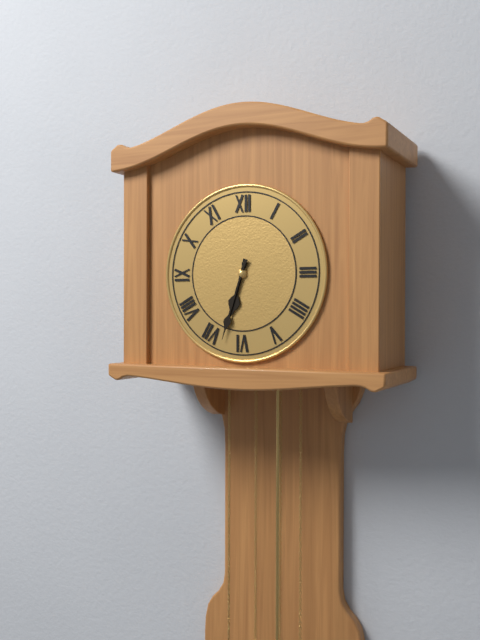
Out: {"hour": 6, "minute": 33}
